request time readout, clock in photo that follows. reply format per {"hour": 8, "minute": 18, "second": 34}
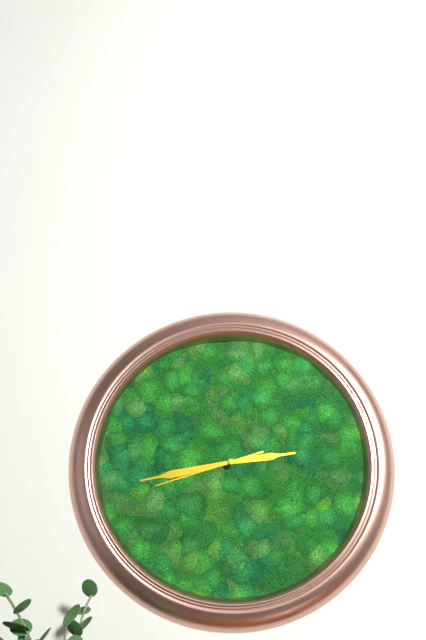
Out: {"hour": 2, "minute": 43, "second": 42}
